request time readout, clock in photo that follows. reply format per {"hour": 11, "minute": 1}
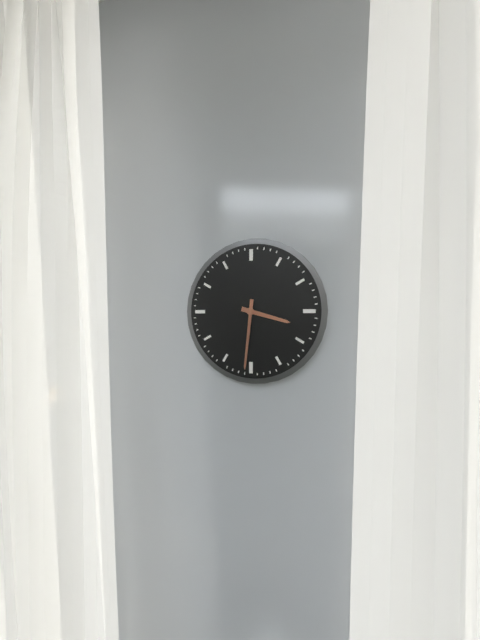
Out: {"hour": 3, "minute": 31}
